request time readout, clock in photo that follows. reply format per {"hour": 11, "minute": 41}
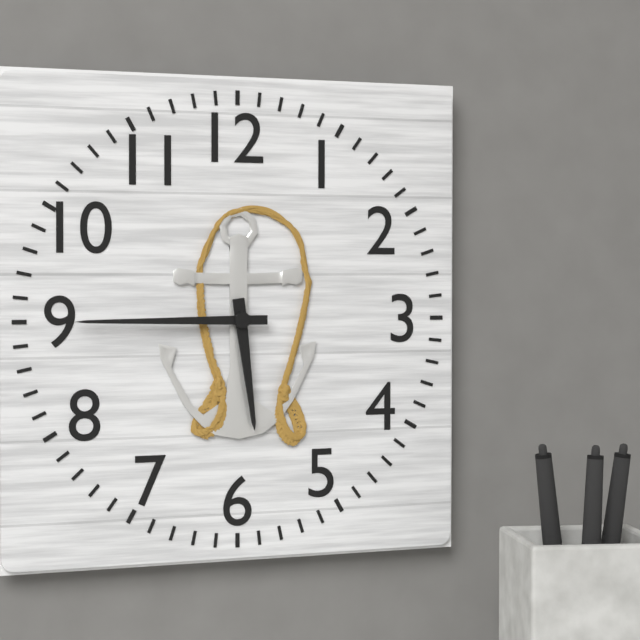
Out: {"hour": 5, "minute": 45}
